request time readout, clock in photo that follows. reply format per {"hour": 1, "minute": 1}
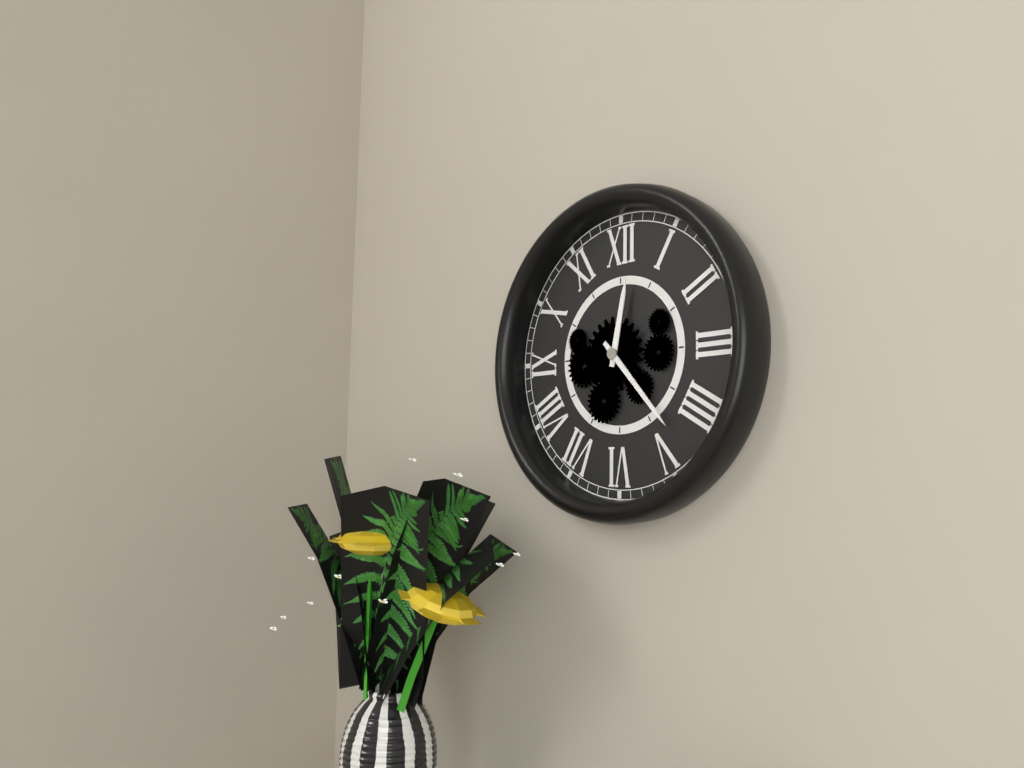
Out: {"hour": 12, "minute": 23}
